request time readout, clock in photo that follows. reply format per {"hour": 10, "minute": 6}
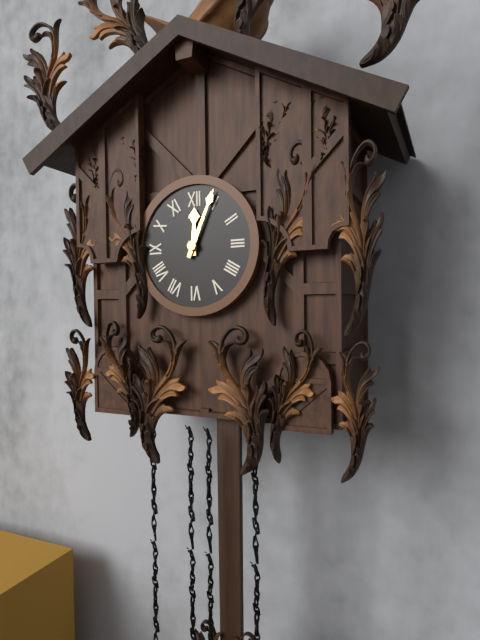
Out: {"hour": 12, "minute": 4}
